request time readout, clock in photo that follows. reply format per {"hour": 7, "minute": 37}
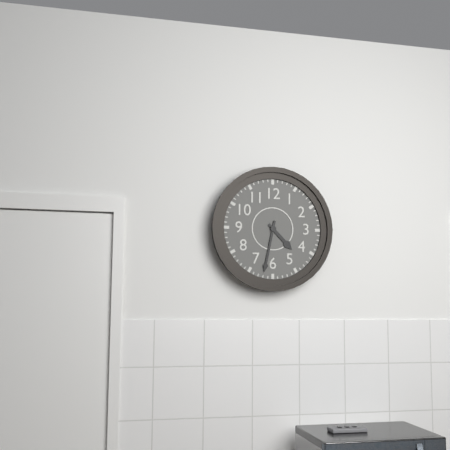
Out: {"hour": 4, "minute": 32}
